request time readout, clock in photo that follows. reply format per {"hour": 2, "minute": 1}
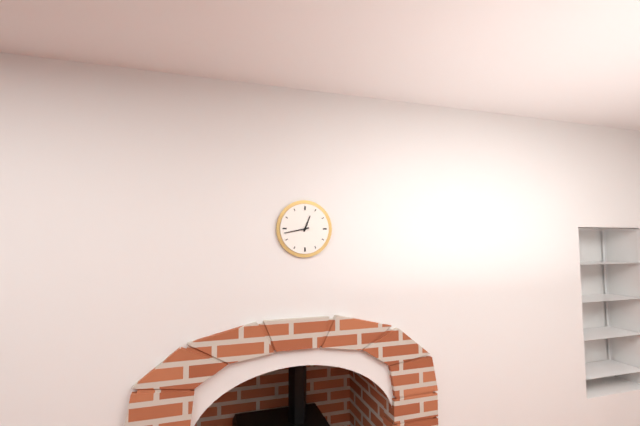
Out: {"hour": 12, "minute": 43}
